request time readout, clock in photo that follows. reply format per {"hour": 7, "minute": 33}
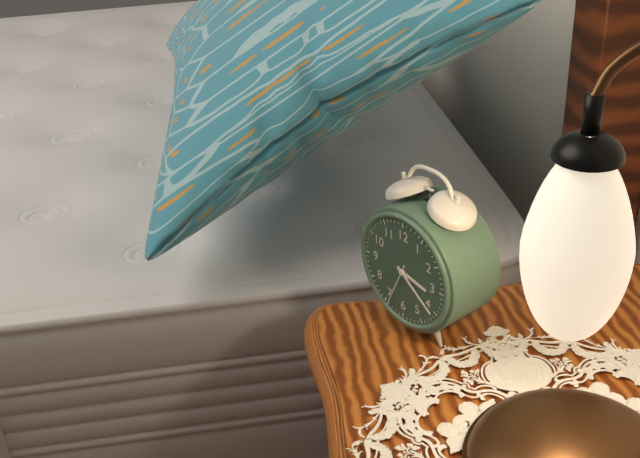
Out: {"hour": 3, "minute": 21}
